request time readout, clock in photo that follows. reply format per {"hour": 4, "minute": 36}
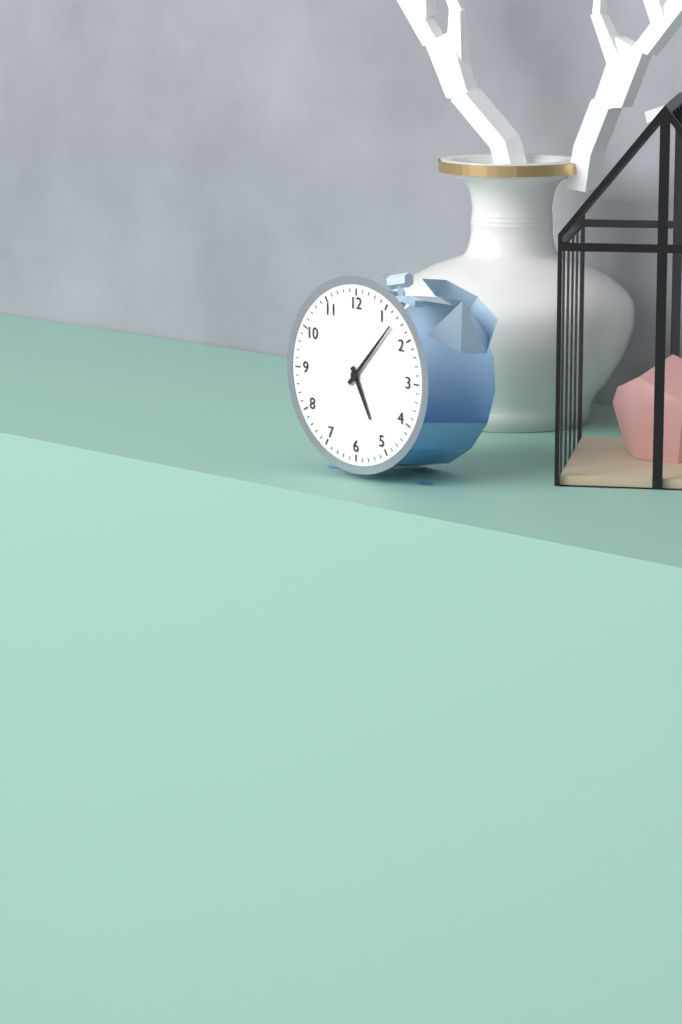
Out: {"hour": 5, "minute": 7}
